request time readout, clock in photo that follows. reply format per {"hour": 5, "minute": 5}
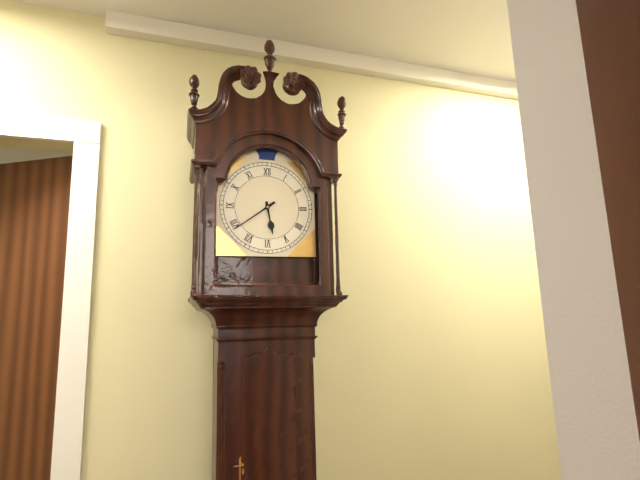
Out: {"hour": 5, "minute": 39}
